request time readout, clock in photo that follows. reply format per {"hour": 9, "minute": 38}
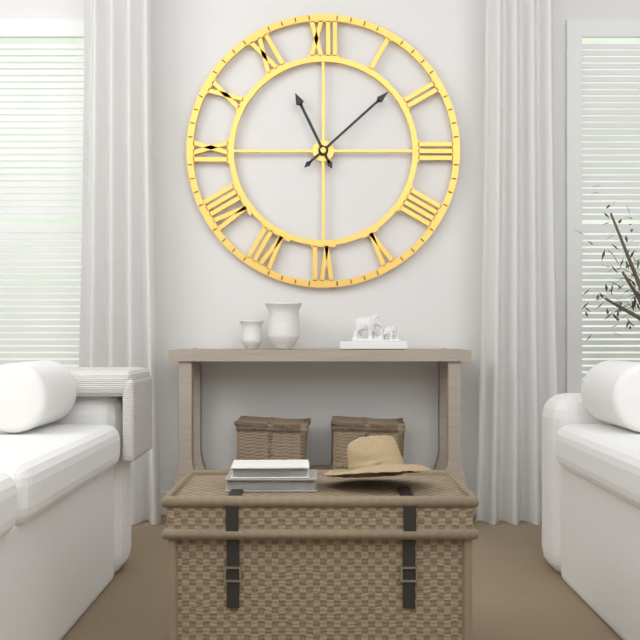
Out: {"hour": 11, "minute": 8}
